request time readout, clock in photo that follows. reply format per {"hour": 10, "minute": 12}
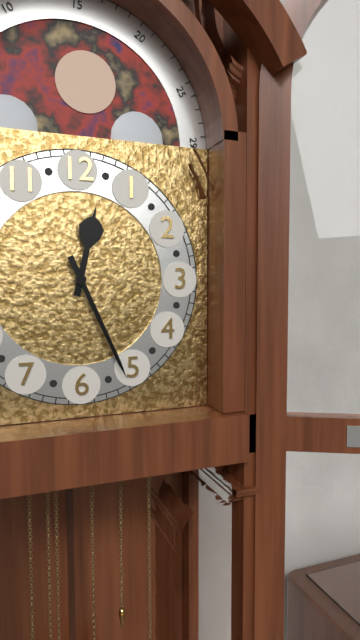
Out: {"hour": 12, "minute": 26}
